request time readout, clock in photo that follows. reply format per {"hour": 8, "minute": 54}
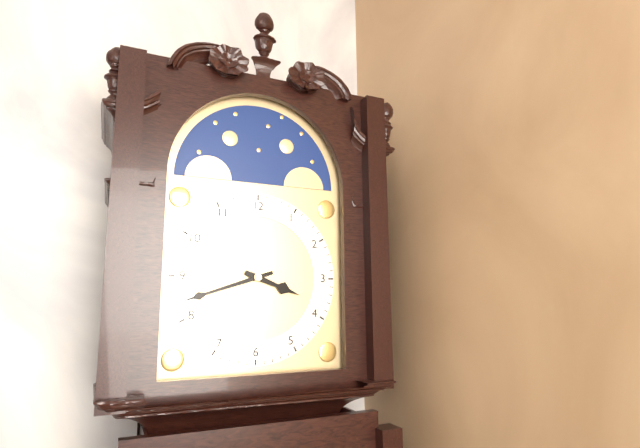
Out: {"hour": 3, "minute": 42}
